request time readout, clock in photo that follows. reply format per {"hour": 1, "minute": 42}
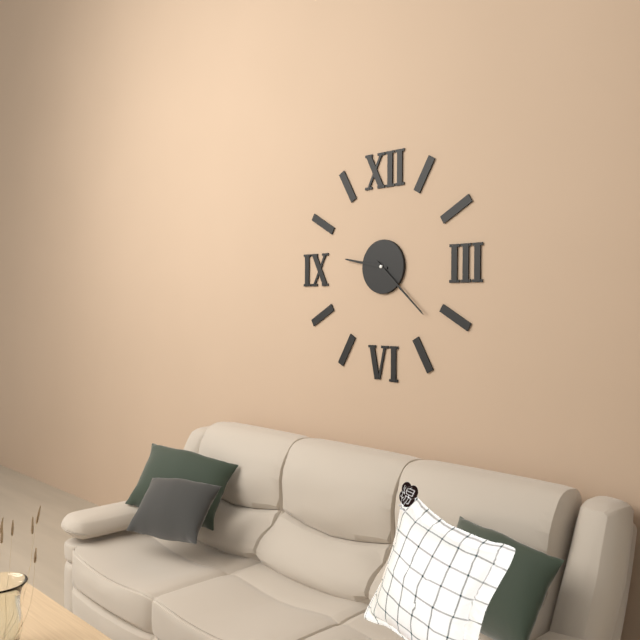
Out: {"hour": 9, "minute": 22}
